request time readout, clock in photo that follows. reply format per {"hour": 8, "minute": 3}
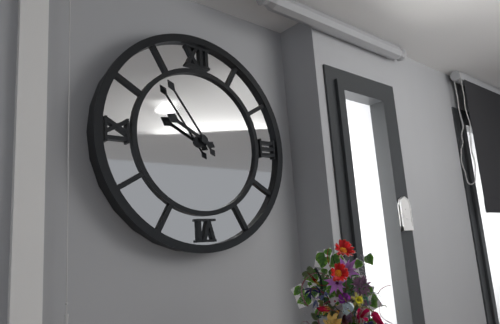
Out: {"hour": 9, "minute": 54}
